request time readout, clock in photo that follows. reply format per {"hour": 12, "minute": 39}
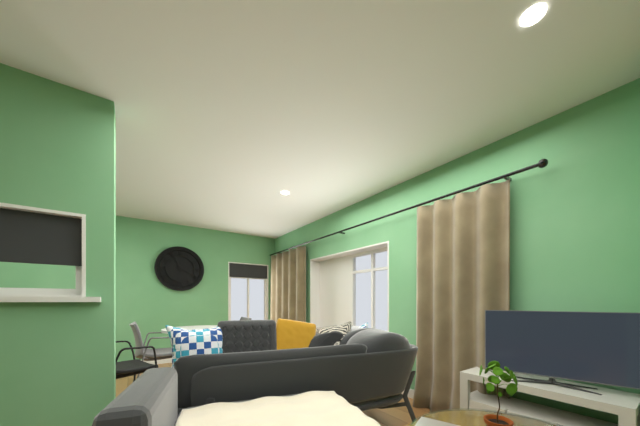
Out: {"hour": 11, "minute": 19}
